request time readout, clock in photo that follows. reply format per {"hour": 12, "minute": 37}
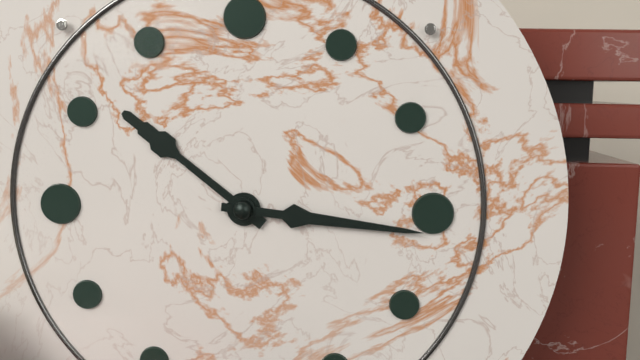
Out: {"hour": 10, "minute": 16}
